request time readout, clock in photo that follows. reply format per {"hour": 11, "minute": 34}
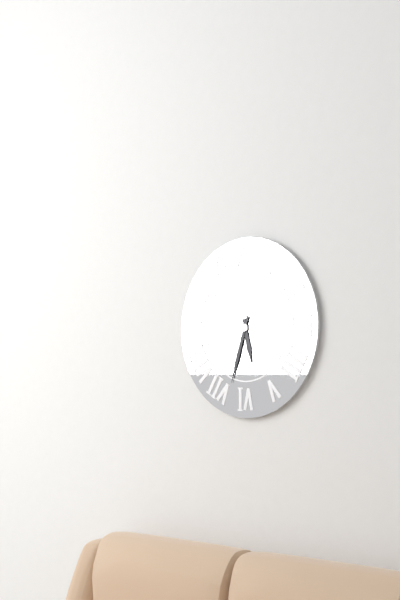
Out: {"hour": 5, "minute": 33}
